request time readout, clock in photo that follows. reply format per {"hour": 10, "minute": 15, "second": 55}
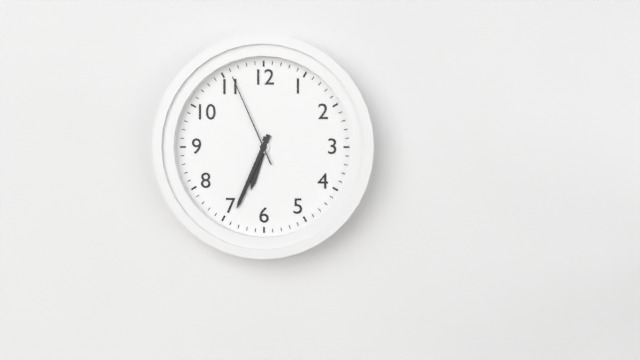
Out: {"hour": 6, "minute": 34, "second": 56}
